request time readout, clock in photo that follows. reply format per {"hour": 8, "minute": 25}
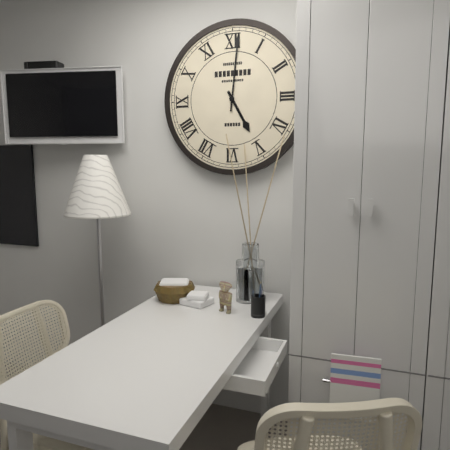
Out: {"hour": 5, "minute": 1}
